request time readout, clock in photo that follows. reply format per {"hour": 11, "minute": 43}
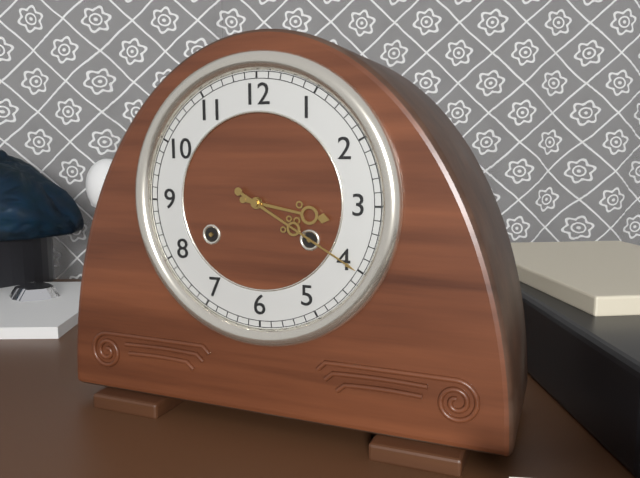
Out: {"hour": 3, "minute": 20}
